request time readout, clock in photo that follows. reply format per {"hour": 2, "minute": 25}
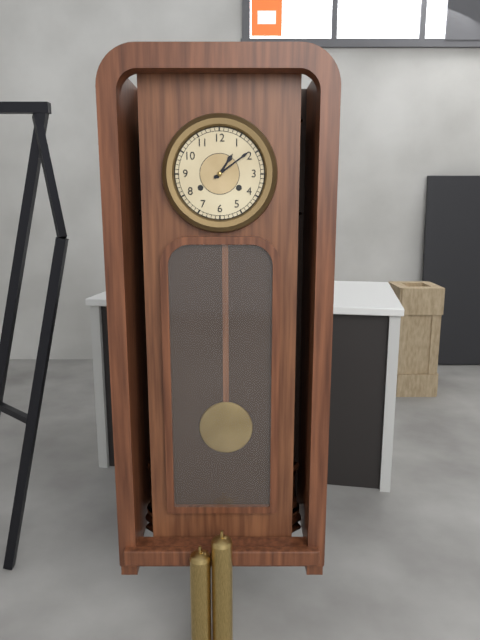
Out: {"hour": 1, "minute": 9}
